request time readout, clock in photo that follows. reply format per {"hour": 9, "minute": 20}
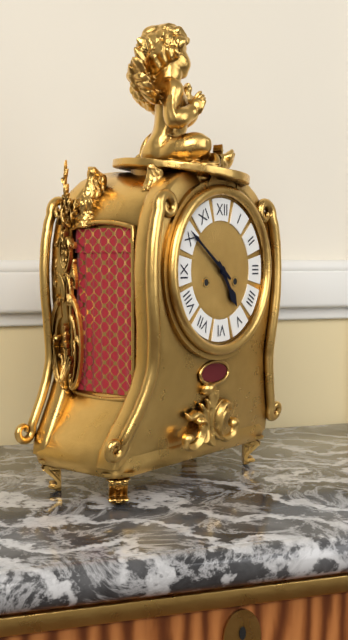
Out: {"hour": 4, "minute": 51}
